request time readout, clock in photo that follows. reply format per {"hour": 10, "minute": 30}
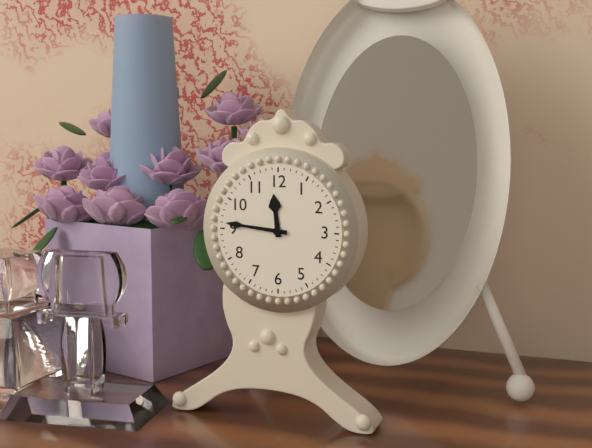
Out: {"hour": 11, "minute": 46}
